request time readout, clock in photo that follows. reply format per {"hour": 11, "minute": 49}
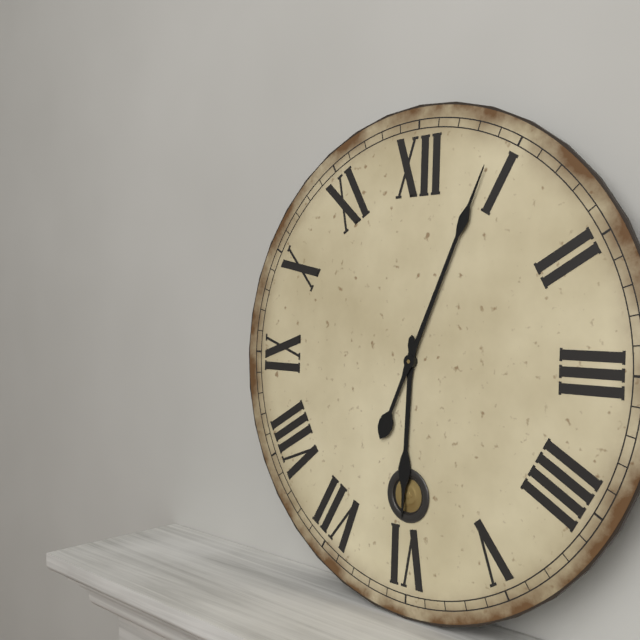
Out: {"hour": 6, "minute": 4}
